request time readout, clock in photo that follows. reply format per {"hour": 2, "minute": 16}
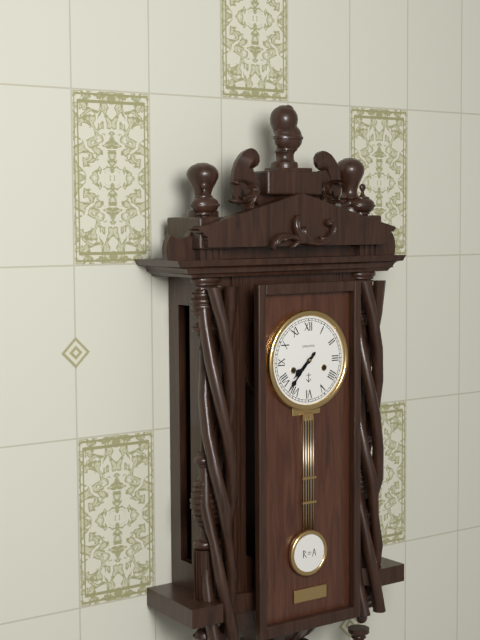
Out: {"hour": 7, "minute": 37}
